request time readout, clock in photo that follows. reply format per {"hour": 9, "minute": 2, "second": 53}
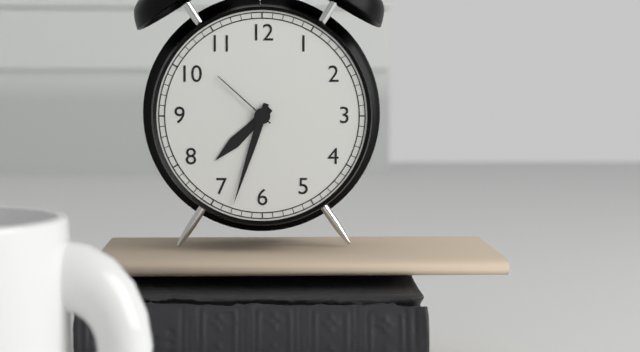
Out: {"hour": 7, "minute": 33, "second": 52}
